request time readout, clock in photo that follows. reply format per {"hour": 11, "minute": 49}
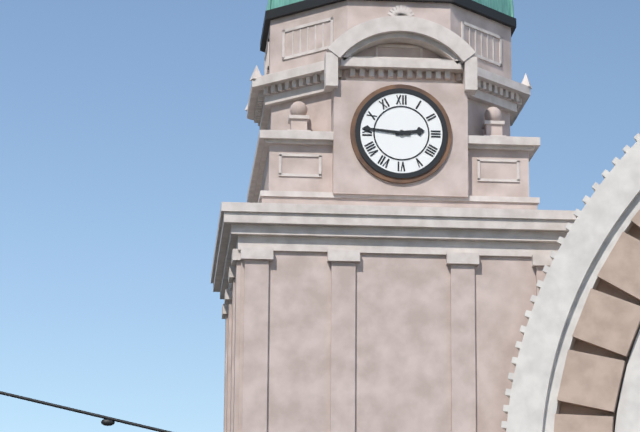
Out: {"hour": 2, "minute": 46}
